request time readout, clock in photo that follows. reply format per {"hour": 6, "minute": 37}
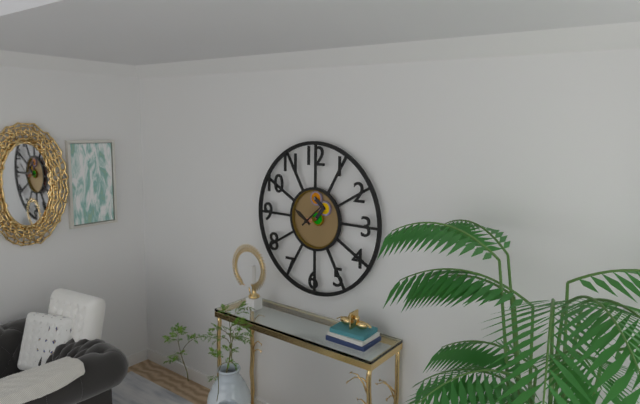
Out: {"hour": 10, "minute": 8}
